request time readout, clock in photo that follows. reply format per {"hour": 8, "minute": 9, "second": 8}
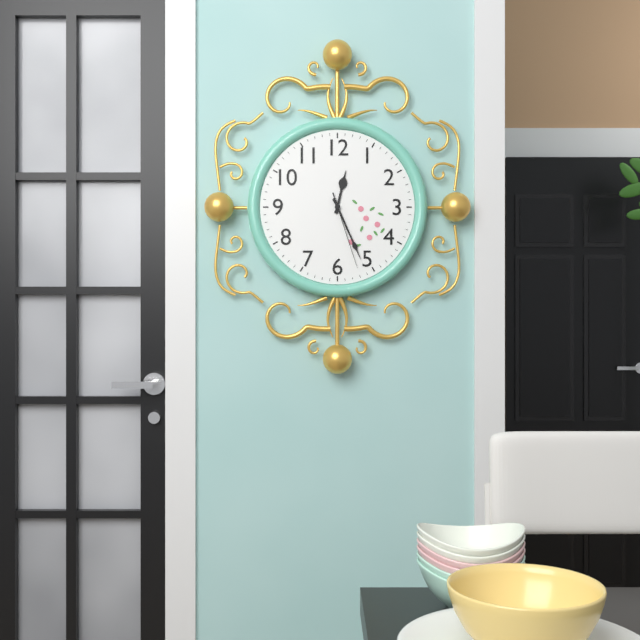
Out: {"hour": 12, "minute": 26, "second": 27}
